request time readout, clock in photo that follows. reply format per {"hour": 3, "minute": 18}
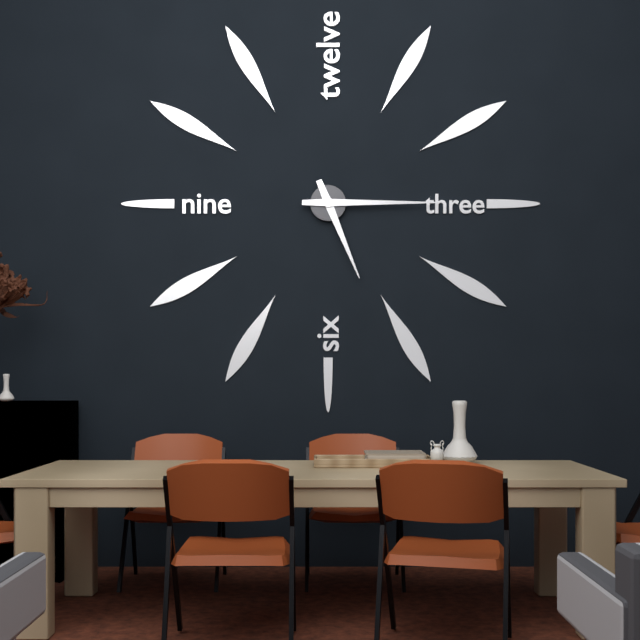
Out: {"hour": 5, "minute": 15}
